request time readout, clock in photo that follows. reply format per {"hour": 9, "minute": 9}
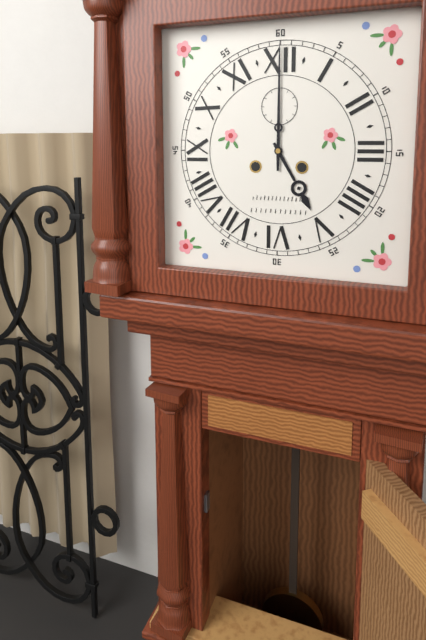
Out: {"hour": 5, "minute": 0}
